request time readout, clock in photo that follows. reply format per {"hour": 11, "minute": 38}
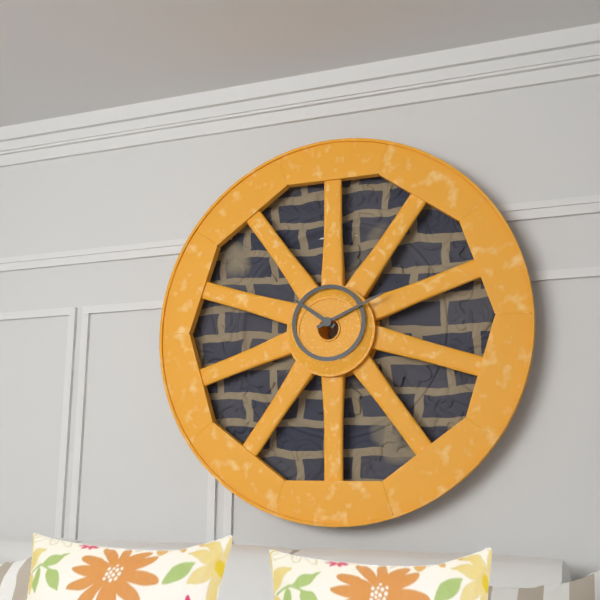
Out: {"hour": 10, "minute": 11}
